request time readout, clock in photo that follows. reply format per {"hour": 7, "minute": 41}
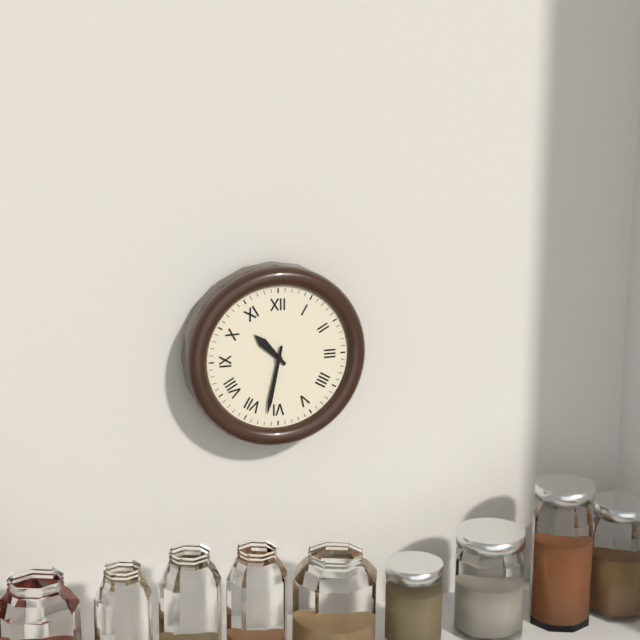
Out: {"hour": 10, "minute": 32}
